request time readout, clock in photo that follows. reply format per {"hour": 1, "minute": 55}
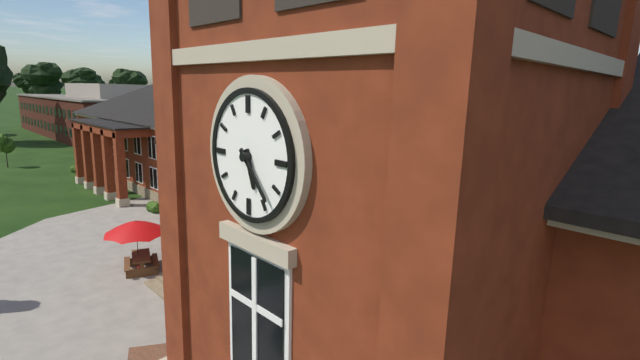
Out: {"hour": 5, "minute": 23}
